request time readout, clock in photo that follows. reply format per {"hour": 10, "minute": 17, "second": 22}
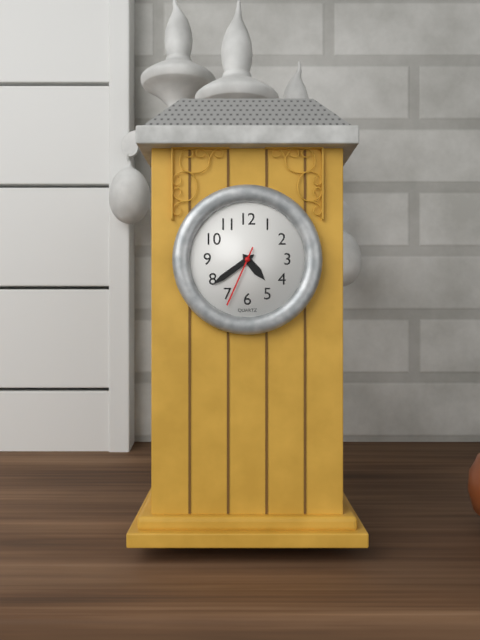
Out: {"hour": 4, "minute": 39, "second": 34}
